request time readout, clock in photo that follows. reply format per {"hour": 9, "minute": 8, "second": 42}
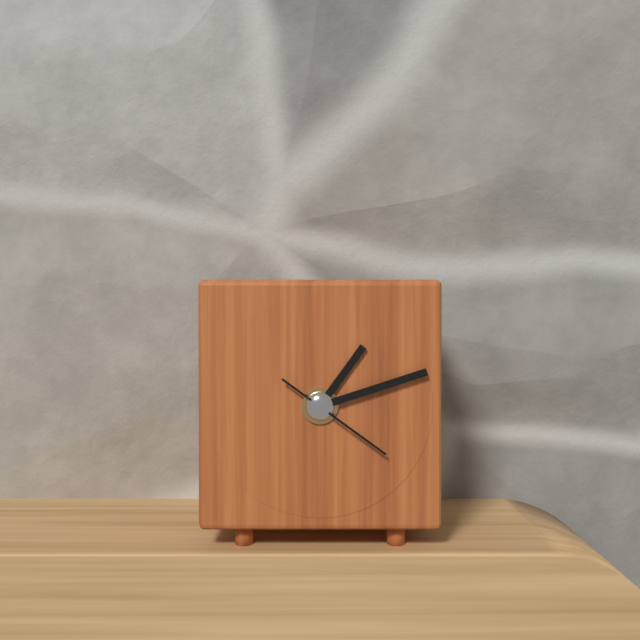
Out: {"hour": 1, "minute": 12, "second": 21}
